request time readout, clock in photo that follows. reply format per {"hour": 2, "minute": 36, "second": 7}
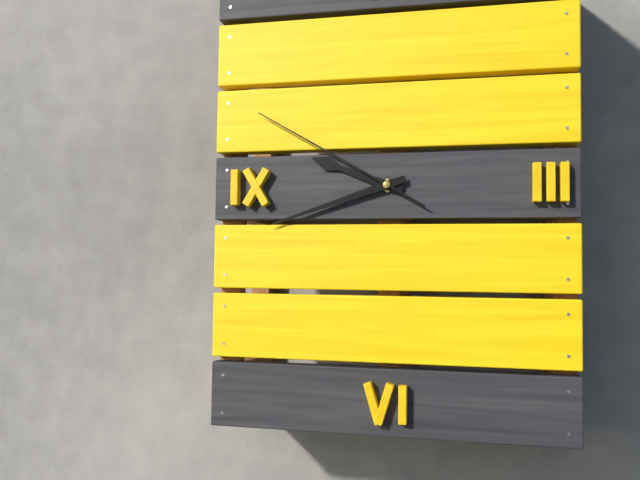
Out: {"hour": 9, "minute": 42, "second": 50}
